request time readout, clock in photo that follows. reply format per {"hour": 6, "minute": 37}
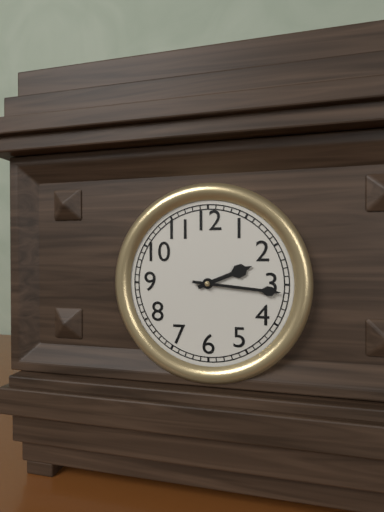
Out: {"hour": 2, "minute": 16}
